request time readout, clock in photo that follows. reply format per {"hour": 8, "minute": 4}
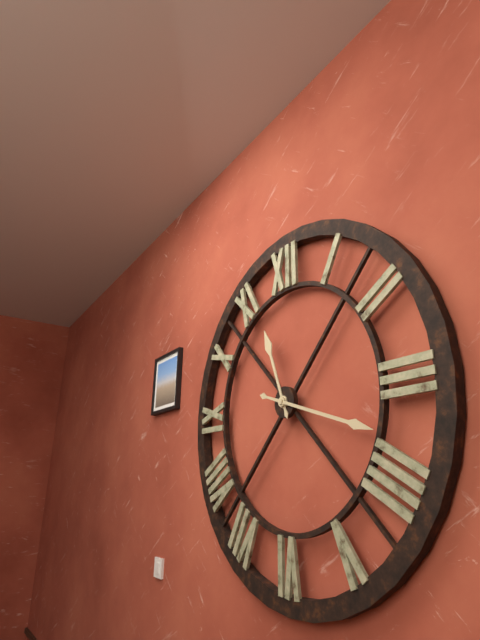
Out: {"hour": 11, "minute": 18}
